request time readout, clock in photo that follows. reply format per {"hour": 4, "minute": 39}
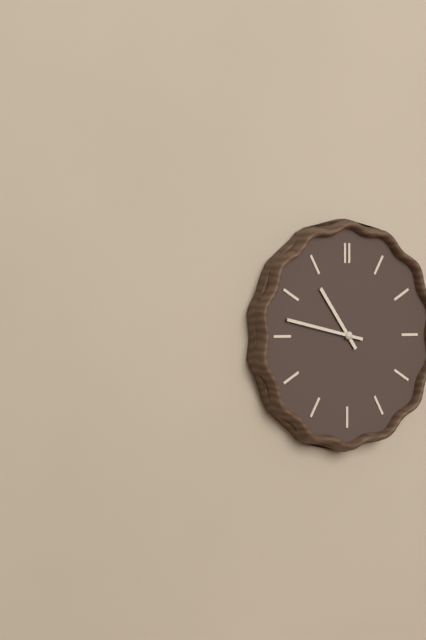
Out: {"hour": 10, "minute": 47}
